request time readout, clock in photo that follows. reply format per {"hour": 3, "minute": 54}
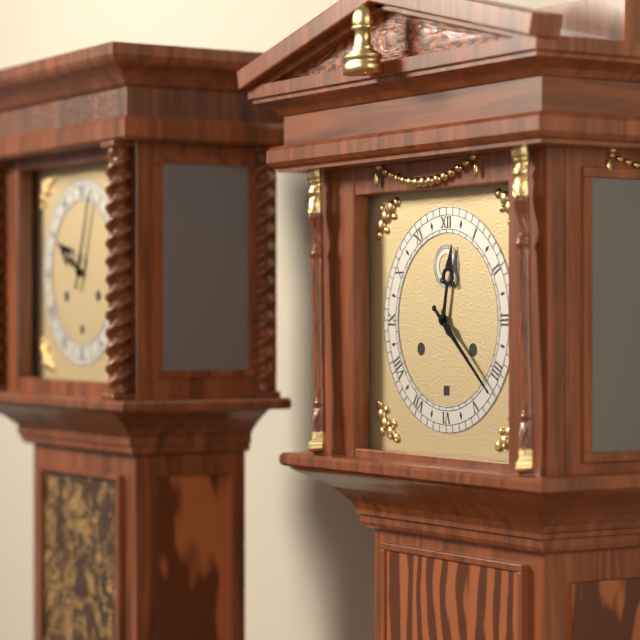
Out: {"hour": 12, "minute": 22}
